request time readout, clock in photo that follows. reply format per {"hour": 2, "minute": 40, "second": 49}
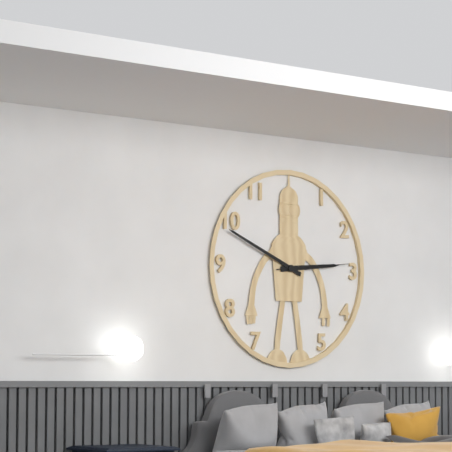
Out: {"hour": 2, "minute": 49, "second": 14}
